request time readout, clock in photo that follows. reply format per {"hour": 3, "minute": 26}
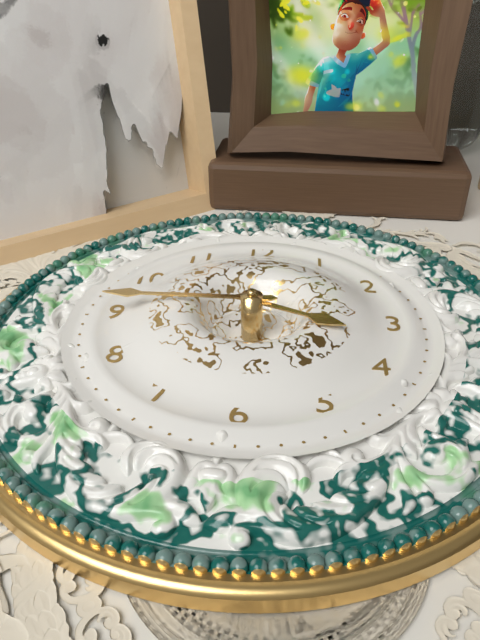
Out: {"hour": 3, "minute": 45}
